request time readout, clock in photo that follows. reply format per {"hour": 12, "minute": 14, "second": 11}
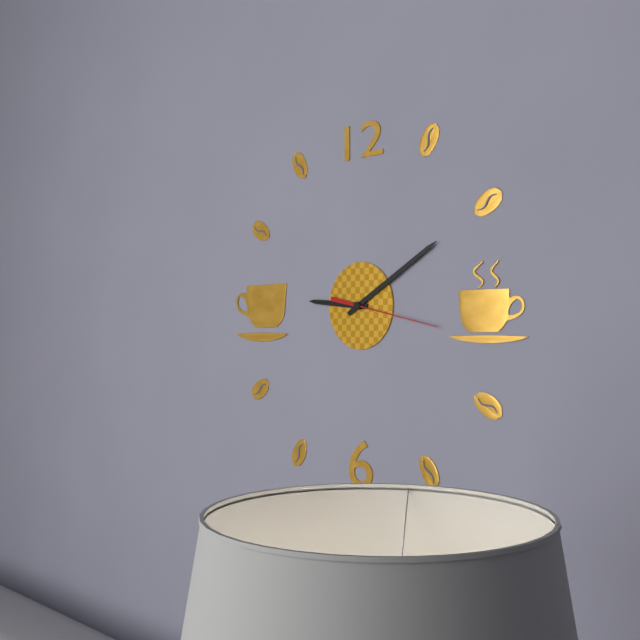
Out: {"hour": 9, "minute": 10, "second": 17}
